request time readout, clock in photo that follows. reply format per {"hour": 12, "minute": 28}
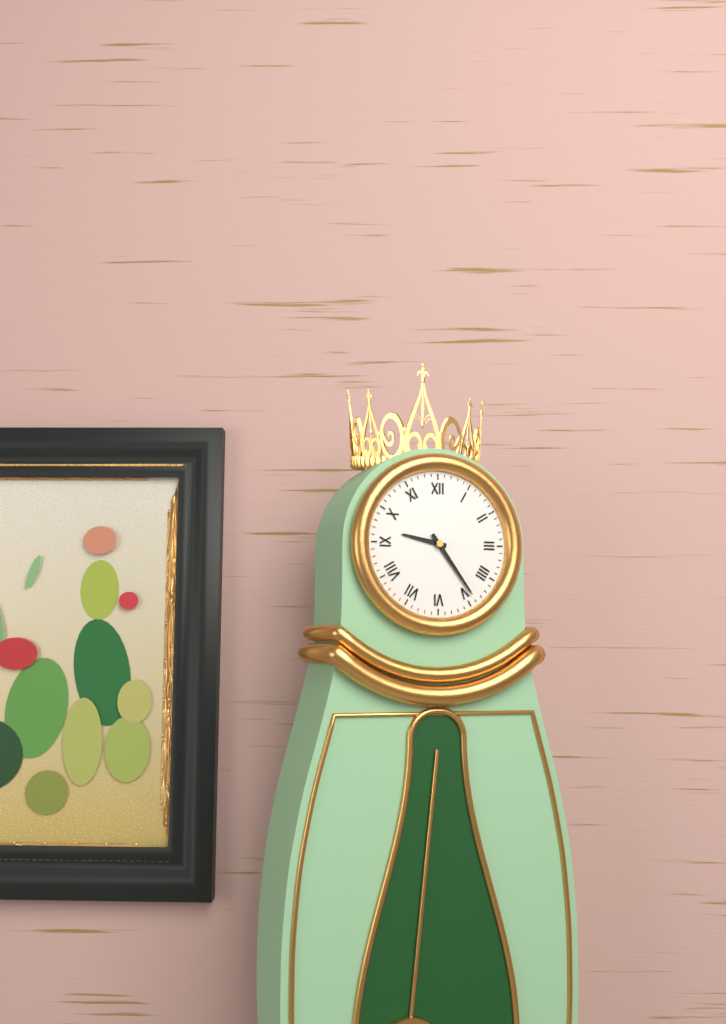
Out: {"hour": 9, "minute": 24}
